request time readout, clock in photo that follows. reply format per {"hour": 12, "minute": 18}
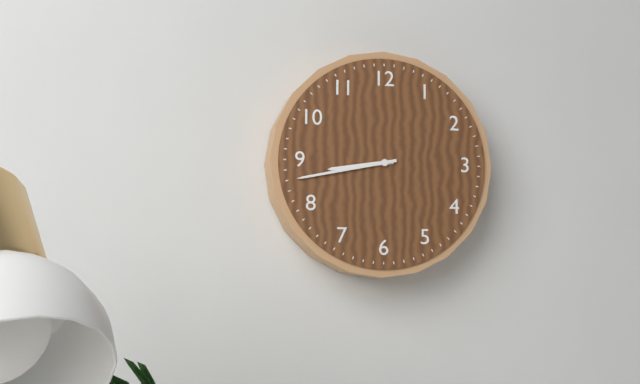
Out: {"hour": 8, "minute": 43}
